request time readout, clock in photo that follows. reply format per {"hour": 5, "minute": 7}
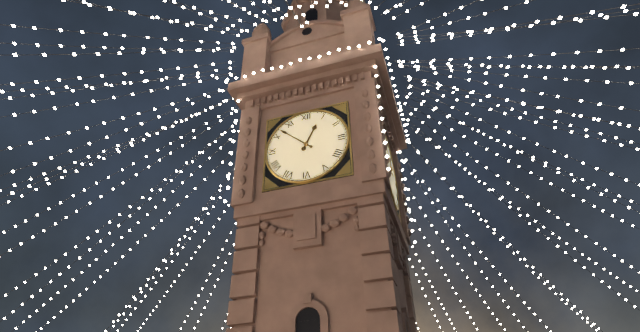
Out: {"hour": 12, "minute": 52}
